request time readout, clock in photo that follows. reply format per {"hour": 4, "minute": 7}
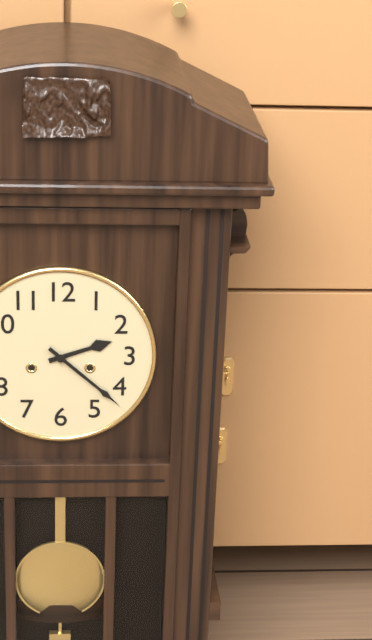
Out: {"hour": 2, "minute": 22}
